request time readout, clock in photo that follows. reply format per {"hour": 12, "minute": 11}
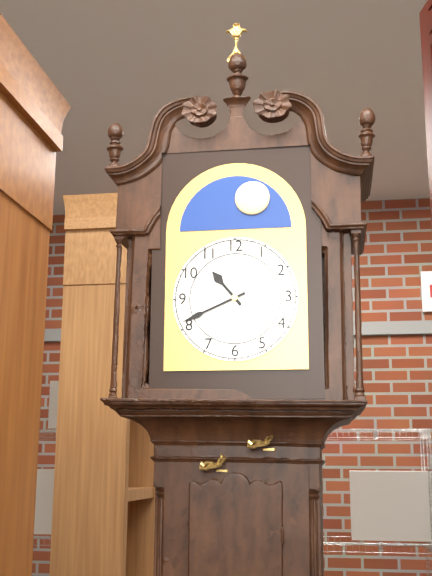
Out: {"hour": 10, "minute": 41}
